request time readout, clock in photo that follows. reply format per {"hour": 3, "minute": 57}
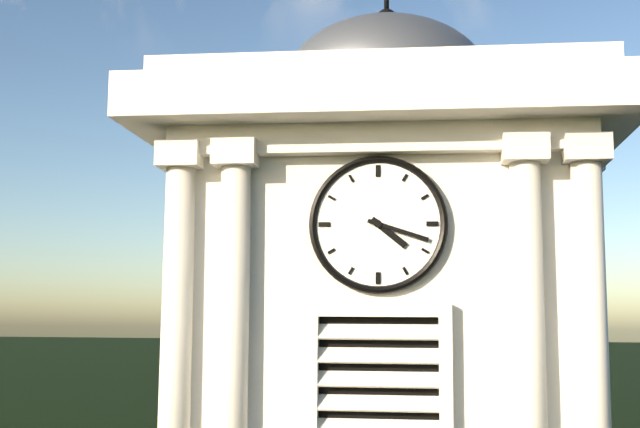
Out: {"hour": 4, "minute": 18}
